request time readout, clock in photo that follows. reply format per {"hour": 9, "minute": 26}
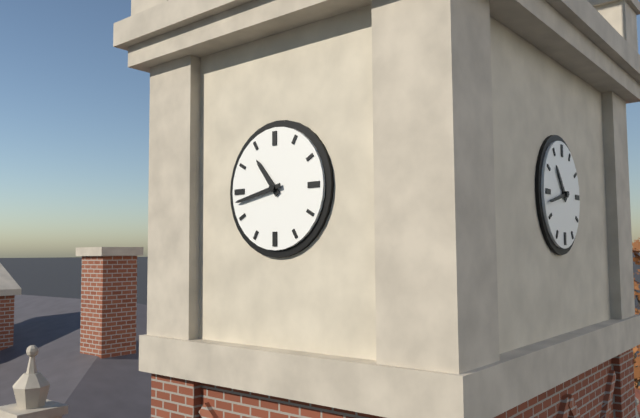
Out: {"hour": 10, "minute": 43}
